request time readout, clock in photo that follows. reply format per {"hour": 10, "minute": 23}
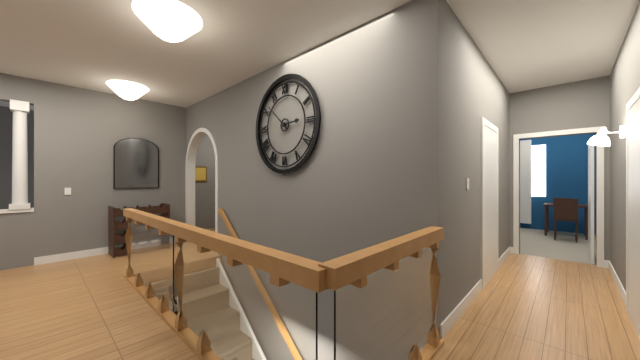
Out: {"hour": 2, "minute": 52}
